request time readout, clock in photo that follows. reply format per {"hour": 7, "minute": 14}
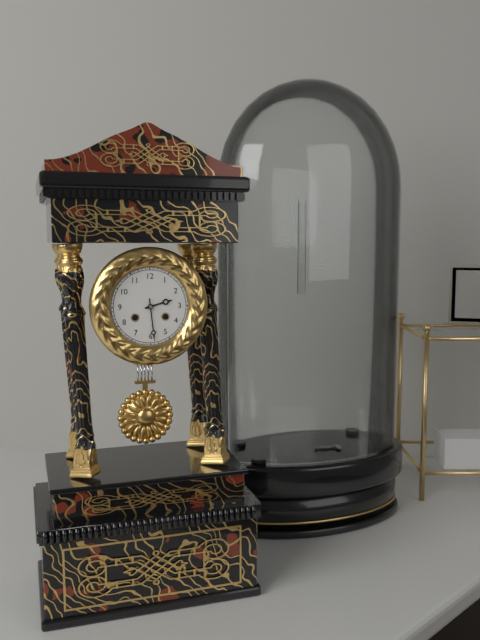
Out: {"hour": 2, "minute": 29}
